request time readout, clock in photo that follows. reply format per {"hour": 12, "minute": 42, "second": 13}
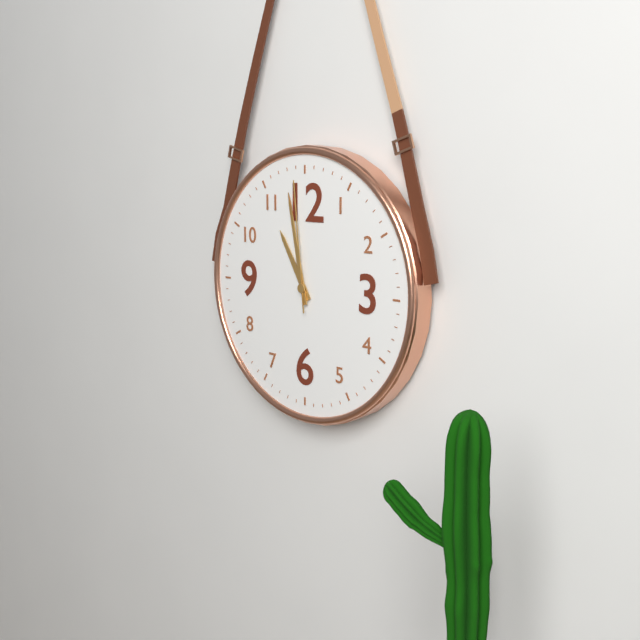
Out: {"hour": 10, "minute": 58, "second": 59}
